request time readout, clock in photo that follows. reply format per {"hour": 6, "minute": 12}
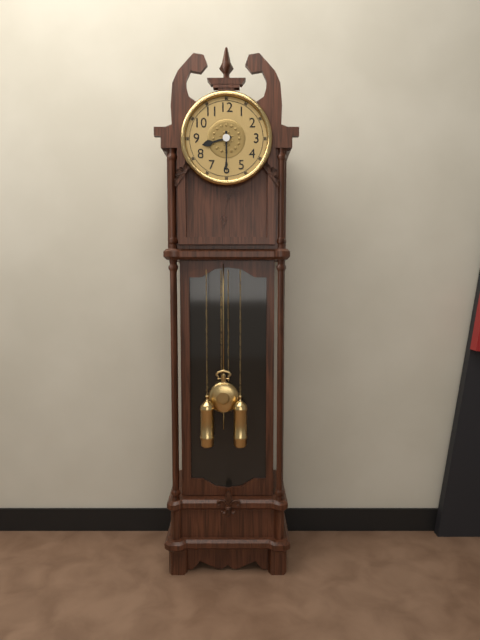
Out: {"hour": 8, "minute": 30}
